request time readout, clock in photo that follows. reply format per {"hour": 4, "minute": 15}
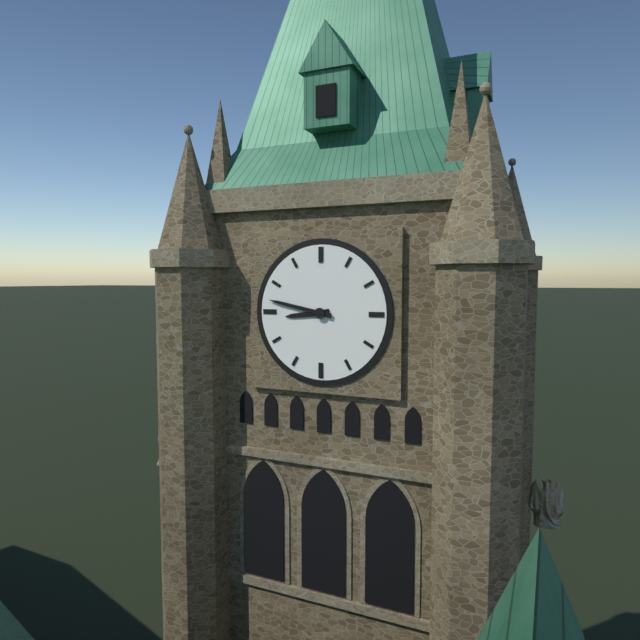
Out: {"hour": 8, "minute": 47}
